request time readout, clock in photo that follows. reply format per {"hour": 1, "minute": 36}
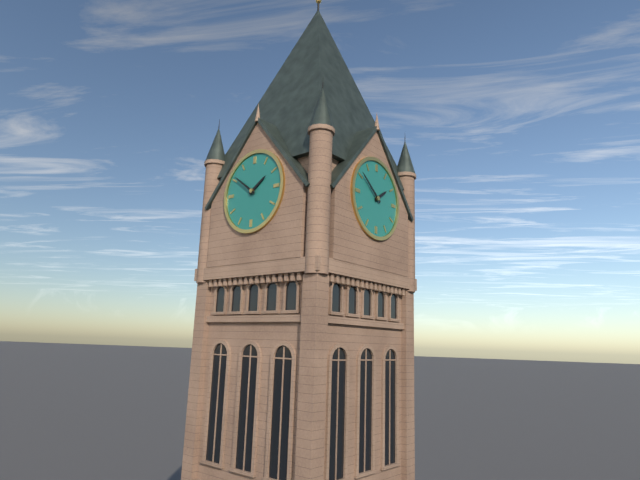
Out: {"hour": 1, "minute": 51}
